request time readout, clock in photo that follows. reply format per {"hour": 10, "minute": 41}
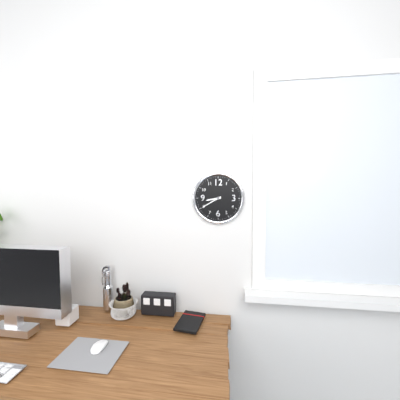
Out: {"hour": 8, "minute": 40}
